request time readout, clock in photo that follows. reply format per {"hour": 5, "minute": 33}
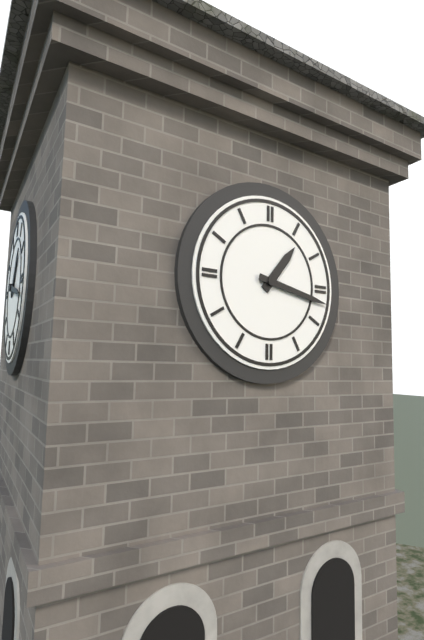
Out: {"hour": 1, "minute": 17}
